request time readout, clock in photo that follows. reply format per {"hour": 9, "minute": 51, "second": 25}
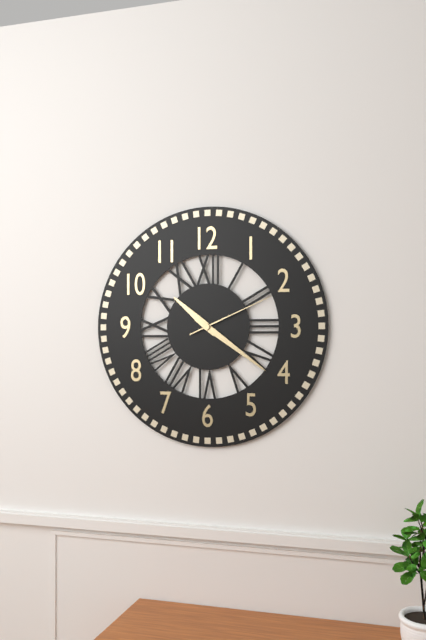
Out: {"hour": 10, "minute": 21, "second": 11}
